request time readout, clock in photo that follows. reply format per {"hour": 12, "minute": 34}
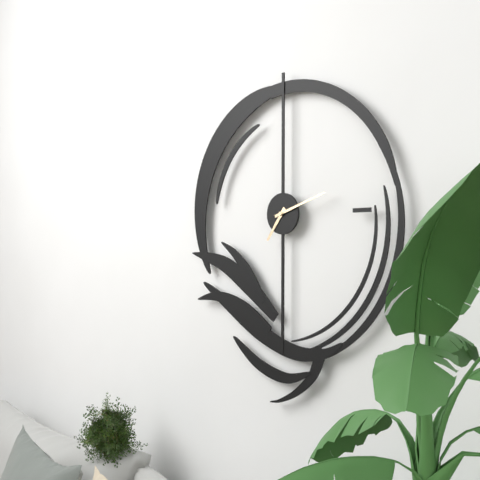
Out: {"hour": 7, "minute": 12}
